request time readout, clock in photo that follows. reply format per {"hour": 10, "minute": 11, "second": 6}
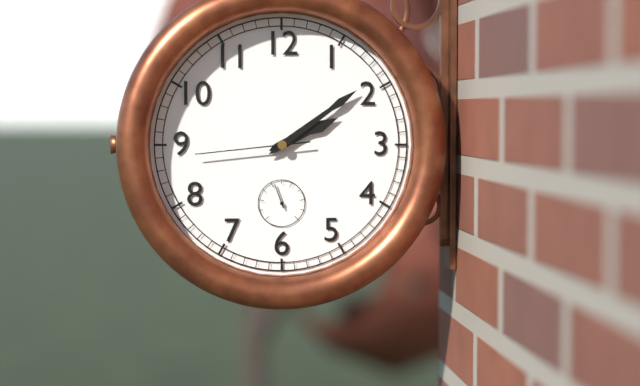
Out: {"hour": 2, "minute": 9, "second": 44}
